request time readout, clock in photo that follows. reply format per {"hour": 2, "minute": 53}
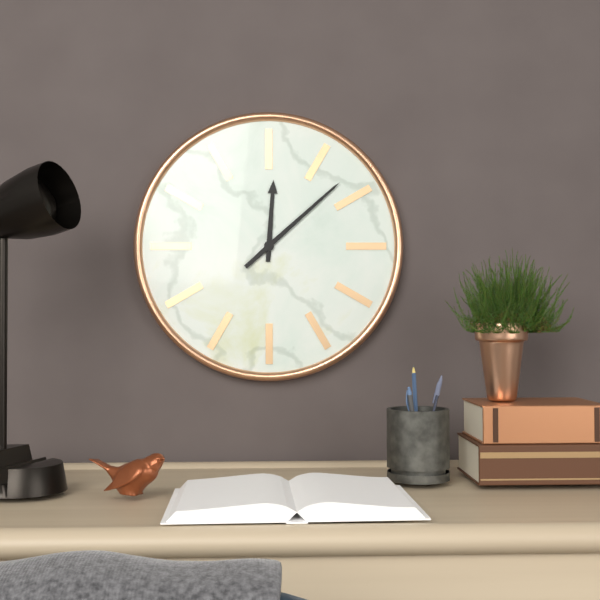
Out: {"hour": 12, "minute": 8}
